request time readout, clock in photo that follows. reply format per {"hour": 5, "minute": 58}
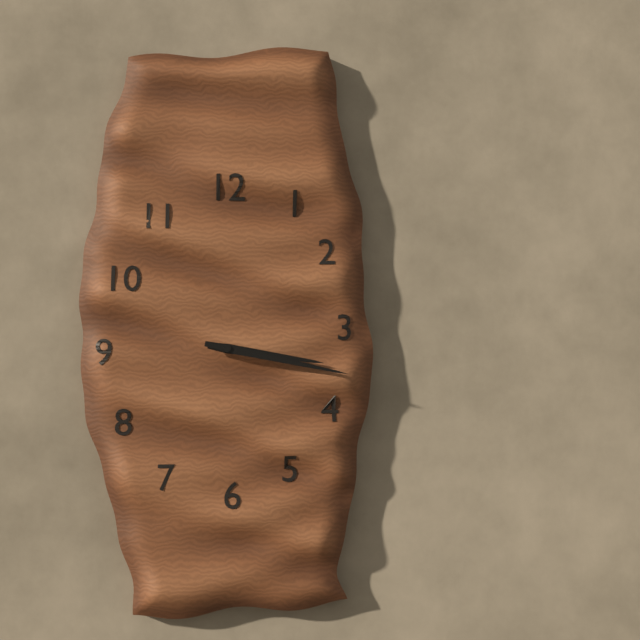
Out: {"hour": 3, "minute": 17}
